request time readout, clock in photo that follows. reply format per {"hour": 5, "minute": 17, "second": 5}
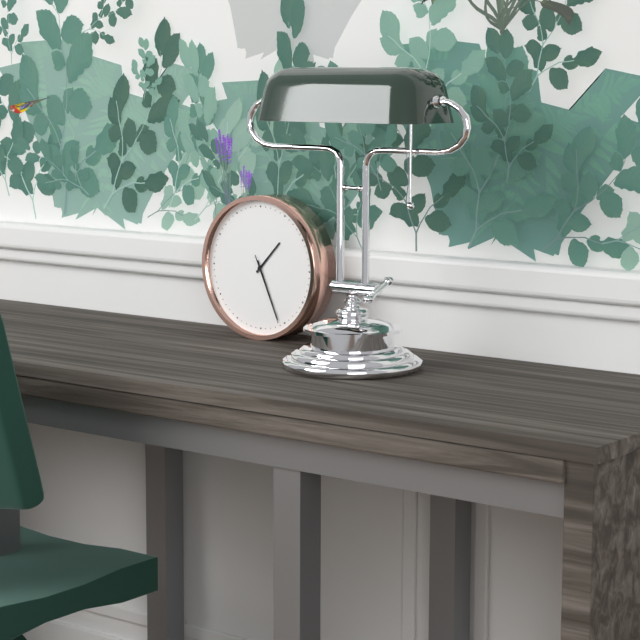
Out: {"hour": 1, "minute": 26, "second": 26}
